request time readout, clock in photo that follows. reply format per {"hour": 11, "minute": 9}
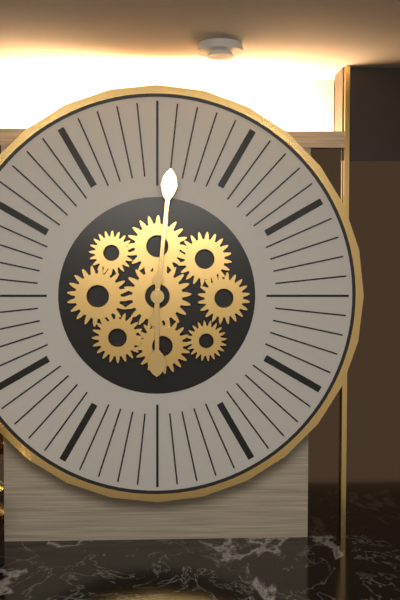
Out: {"hour": 6, "minute": 1}
